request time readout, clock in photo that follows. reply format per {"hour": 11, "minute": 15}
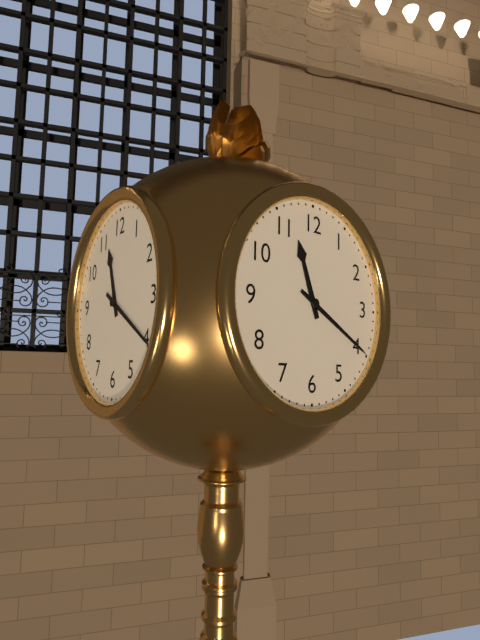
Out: {"hour": 11, "minute": 20}
